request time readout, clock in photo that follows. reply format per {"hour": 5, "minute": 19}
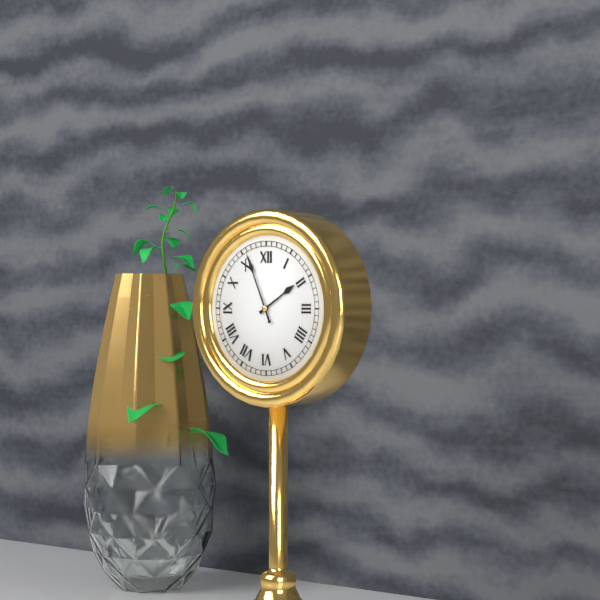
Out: {"hour": 1, "minute": 56}
